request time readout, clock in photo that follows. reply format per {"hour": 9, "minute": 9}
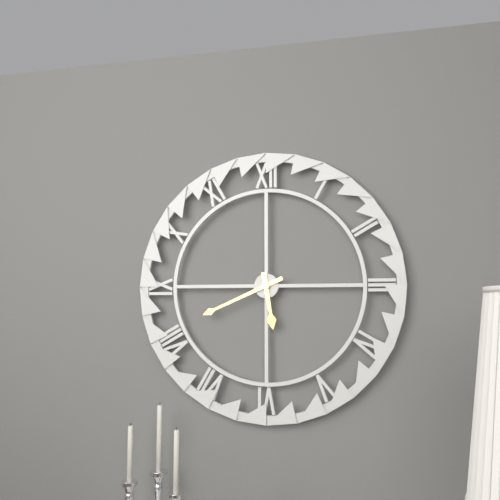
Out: {"hour": 5, "minute": 41}
